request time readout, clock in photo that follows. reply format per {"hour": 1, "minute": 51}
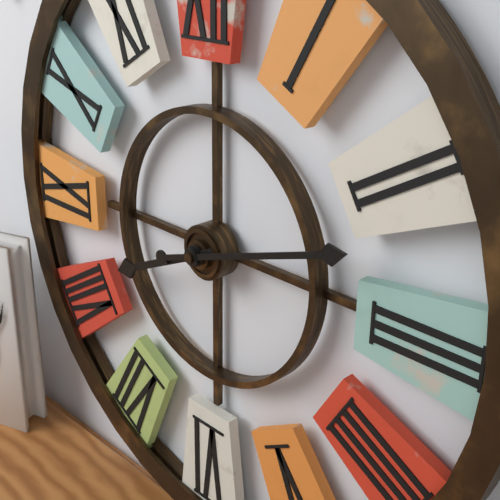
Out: {"hour": 8, "minute": 12}
